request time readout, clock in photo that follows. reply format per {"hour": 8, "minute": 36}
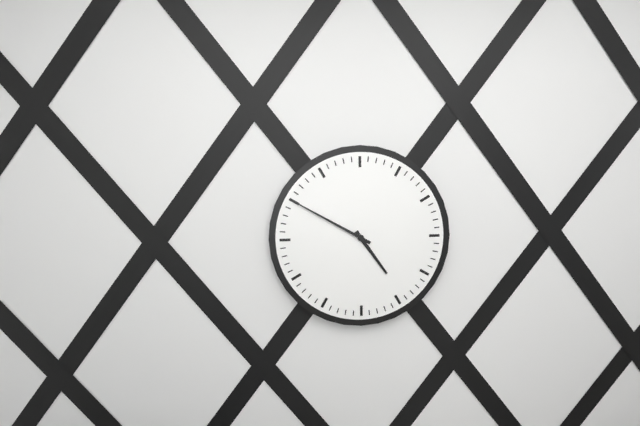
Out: {"hour": 4, "minute": 50}
